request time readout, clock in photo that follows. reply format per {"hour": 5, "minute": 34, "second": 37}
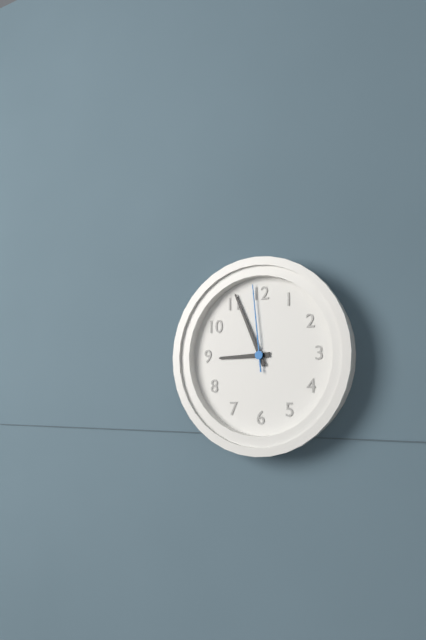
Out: {"hour": 8, "minute": 56, "second": 59}
